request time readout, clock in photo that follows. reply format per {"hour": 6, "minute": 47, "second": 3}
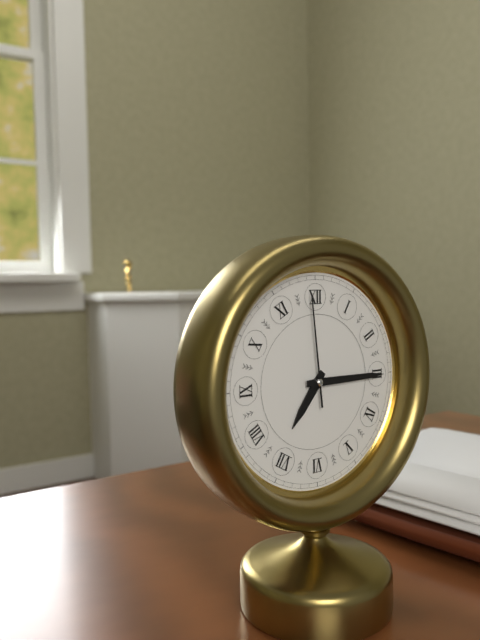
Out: {"hour": 7, "minute": 15, "second": 59}
